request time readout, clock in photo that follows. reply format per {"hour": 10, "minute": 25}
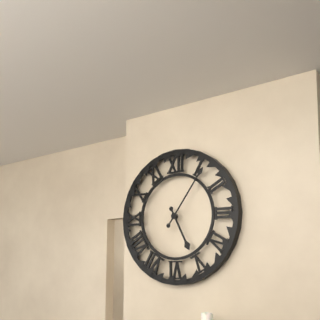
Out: {"hour": 5, "minute": 6}
